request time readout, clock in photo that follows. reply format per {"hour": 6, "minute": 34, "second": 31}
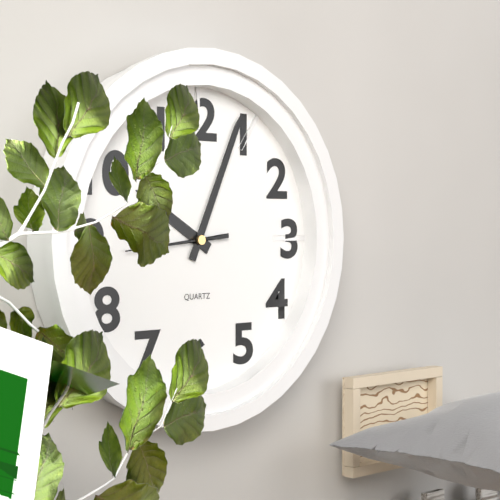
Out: {"hour": 10, "minute": 4, "second": 44}
